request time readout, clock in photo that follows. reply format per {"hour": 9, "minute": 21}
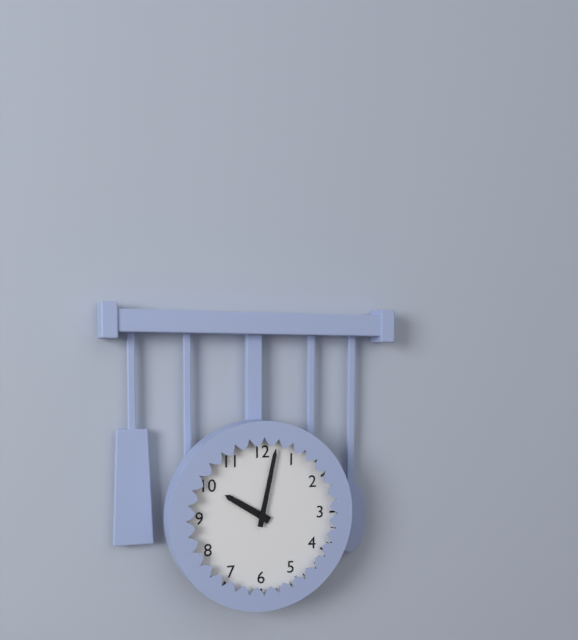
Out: {"hour": 10, "minute": 2}
